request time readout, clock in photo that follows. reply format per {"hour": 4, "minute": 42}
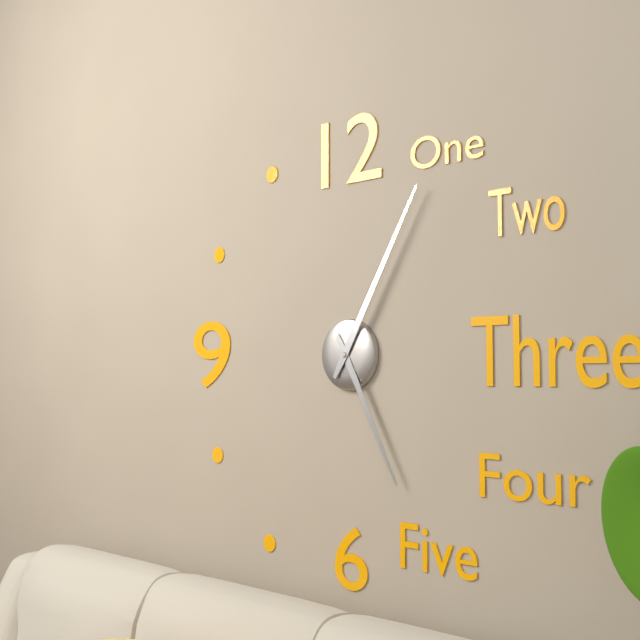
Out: {"hour": 5, "minute": 5}
